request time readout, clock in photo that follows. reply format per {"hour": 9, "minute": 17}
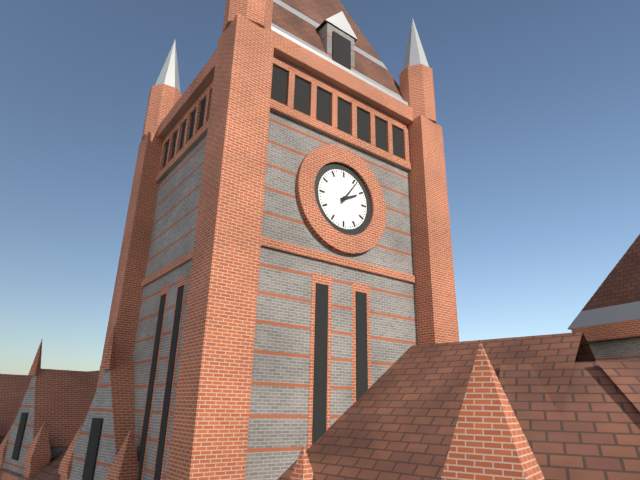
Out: {"hour": 2, "minute": 6}
